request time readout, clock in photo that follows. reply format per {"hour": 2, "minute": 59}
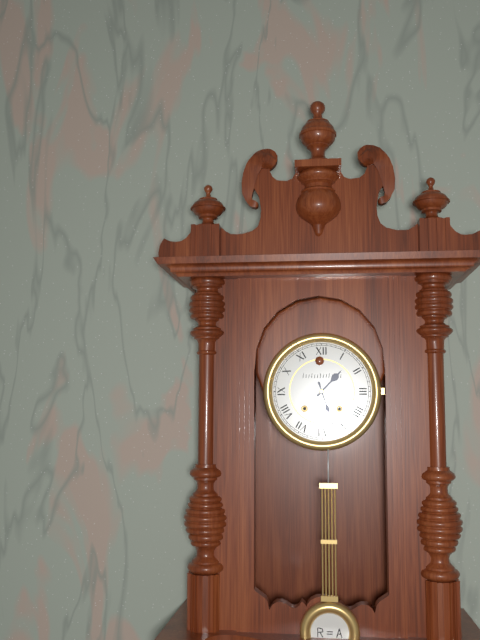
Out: {"hour": 1, "minute": 27}
